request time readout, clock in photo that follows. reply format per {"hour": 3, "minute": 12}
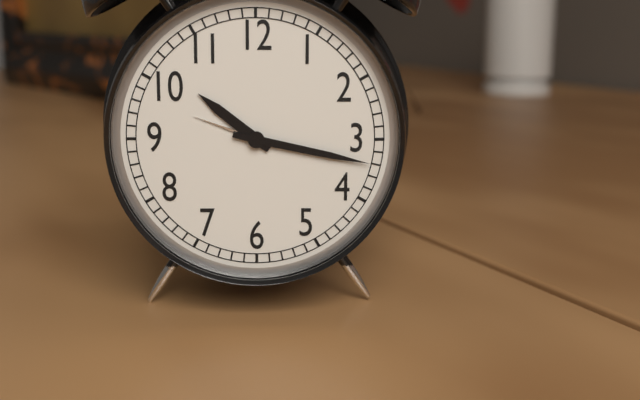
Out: {"hour": 10, "minute": 17}
